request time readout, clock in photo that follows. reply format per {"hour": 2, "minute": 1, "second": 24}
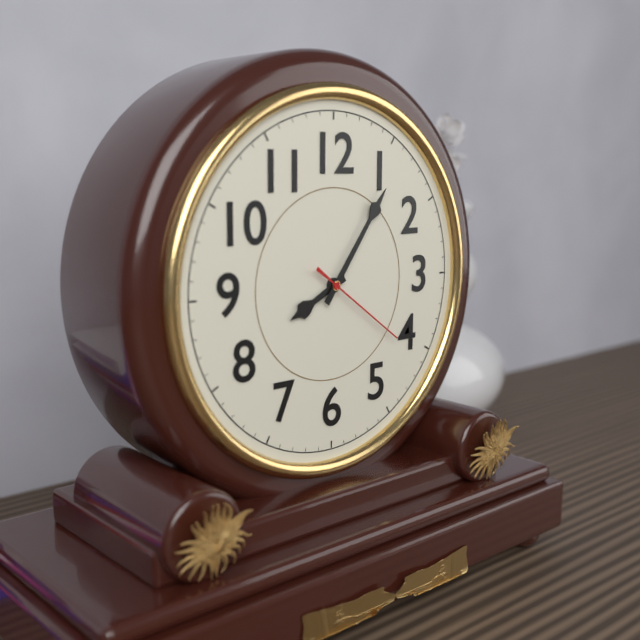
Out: {"hour": 8, "minute": 6, "second": 21}
